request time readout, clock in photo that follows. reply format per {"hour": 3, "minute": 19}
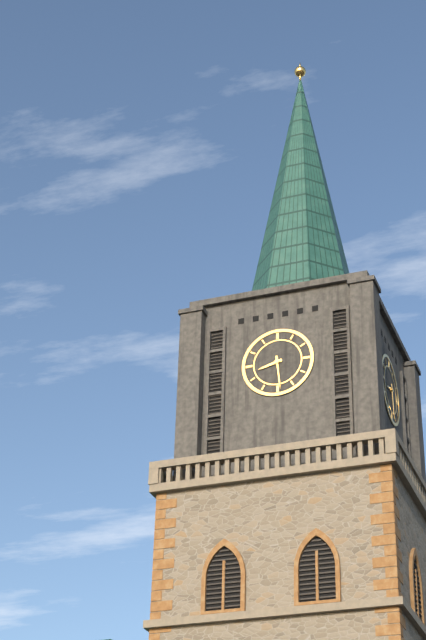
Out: {"hour": 8, "minute": 29}
